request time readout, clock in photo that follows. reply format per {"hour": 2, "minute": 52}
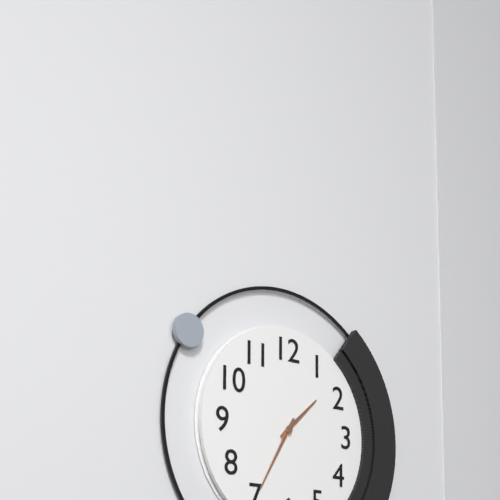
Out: {"hour": 1, "minute": 35}
